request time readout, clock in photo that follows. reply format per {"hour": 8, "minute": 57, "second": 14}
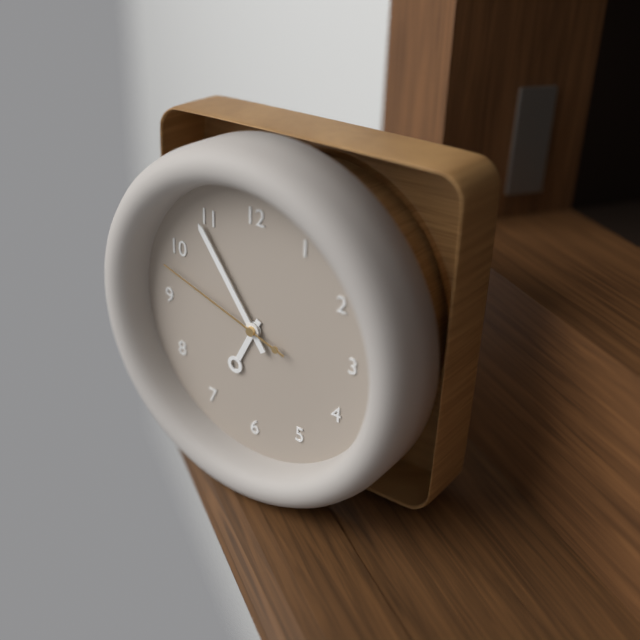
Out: {"hour": 6, "minute": 54, "second": 48}
